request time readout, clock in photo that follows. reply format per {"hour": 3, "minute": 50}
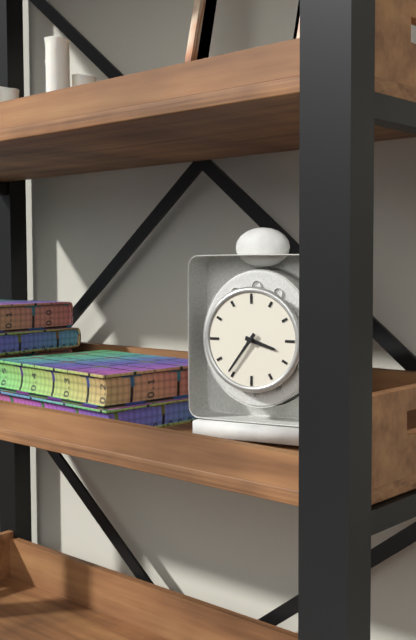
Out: {"hour": 3, "minute": 36}
